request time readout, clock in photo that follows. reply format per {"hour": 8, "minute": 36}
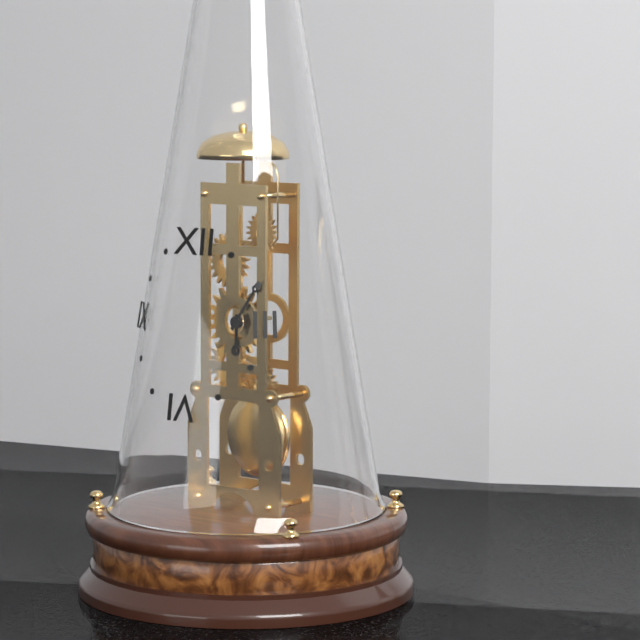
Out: {"hour": 6, "minute": 6}
